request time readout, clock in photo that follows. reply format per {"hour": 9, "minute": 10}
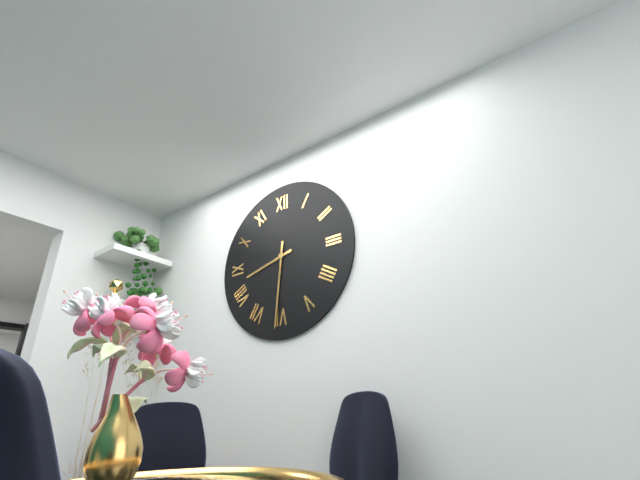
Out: {"hour": 8, "minute": 31}
